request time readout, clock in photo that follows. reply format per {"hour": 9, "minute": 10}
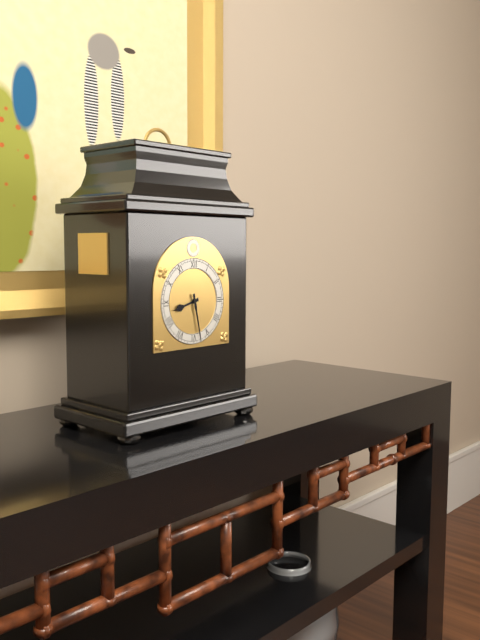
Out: {"hour": 8, "minute": 28}
